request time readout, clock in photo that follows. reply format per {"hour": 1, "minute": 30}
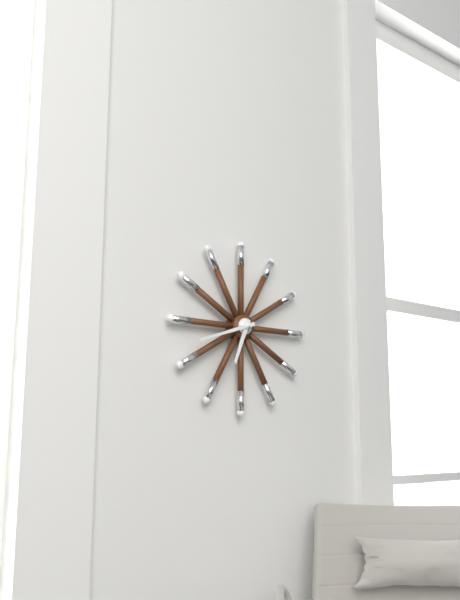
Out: {"hour": 6, "minute": 42}
